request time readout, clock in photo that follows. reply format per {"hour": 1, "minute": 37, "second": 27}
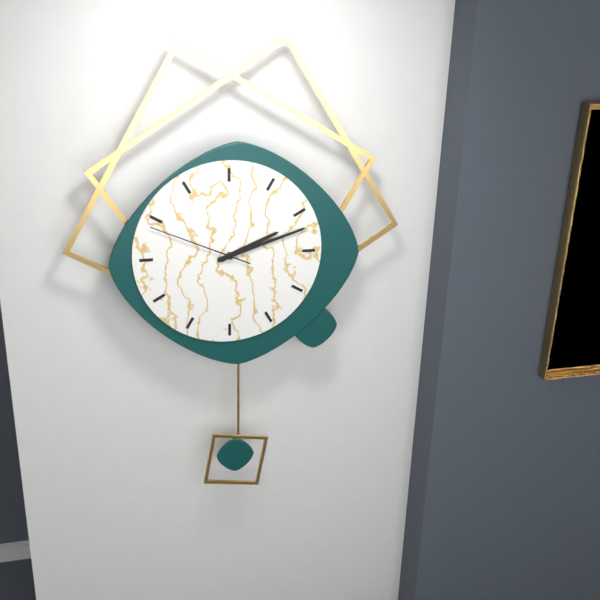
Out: {"hour": 2, "minute": 12, "second": 49}
